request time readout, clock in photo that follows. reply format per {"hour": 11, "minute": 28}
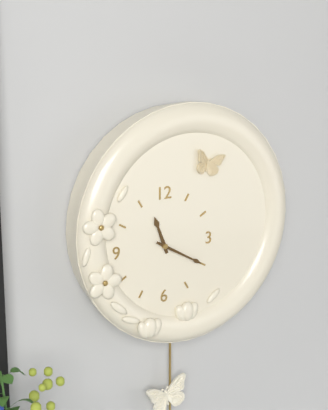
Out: {"hour": 11, "minute": 20}
